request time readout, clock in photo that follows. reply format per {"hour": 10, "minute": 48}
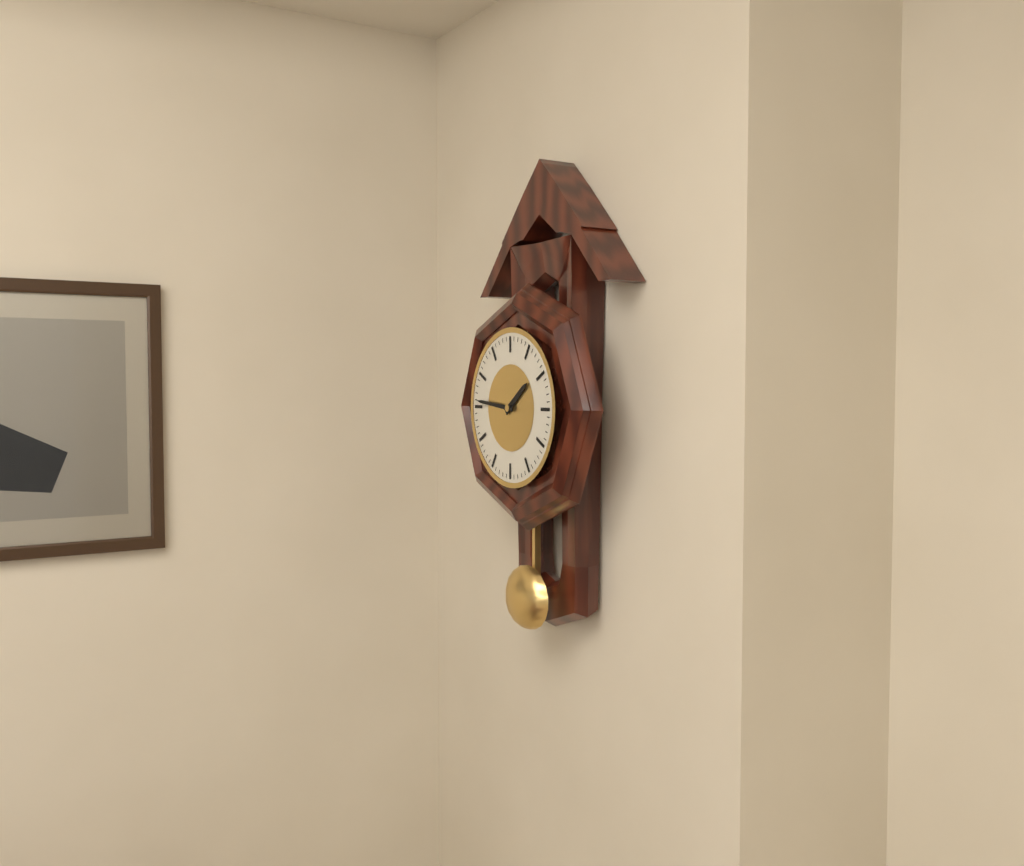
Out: {"hour": 1, "minute": 46}
